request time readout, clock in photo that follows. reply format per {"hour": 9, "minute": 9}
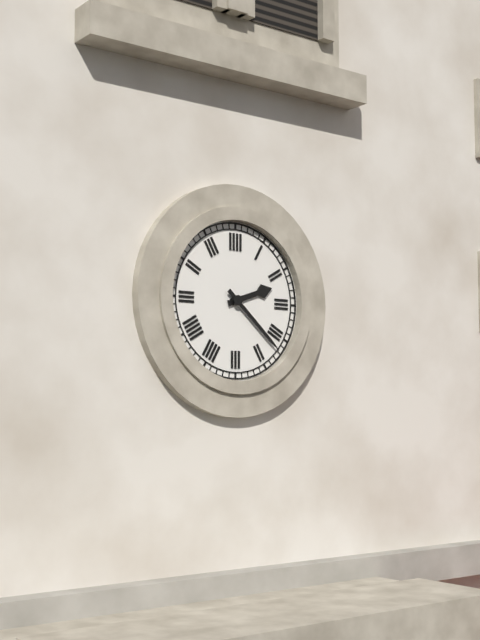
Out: {"hour": 2, "minute": 22}
